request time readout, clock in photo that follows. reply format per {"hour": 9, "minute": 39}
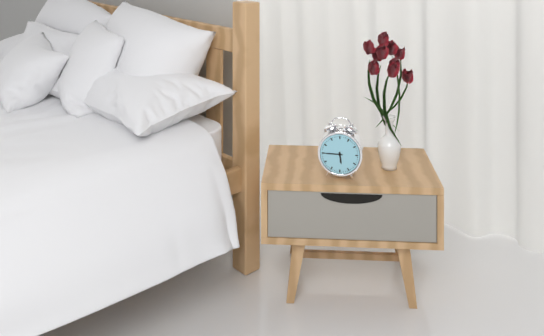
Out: {"hour": 5, "minute": 45}
